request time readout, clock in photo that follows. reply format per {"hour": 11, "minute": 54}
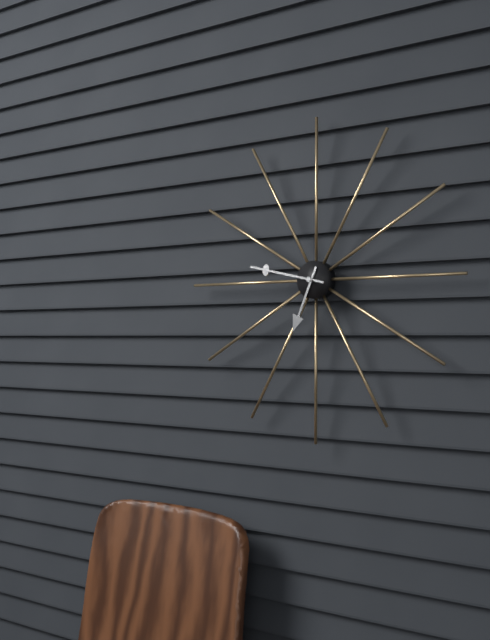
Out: {"hour": 6, "minute": 47}
